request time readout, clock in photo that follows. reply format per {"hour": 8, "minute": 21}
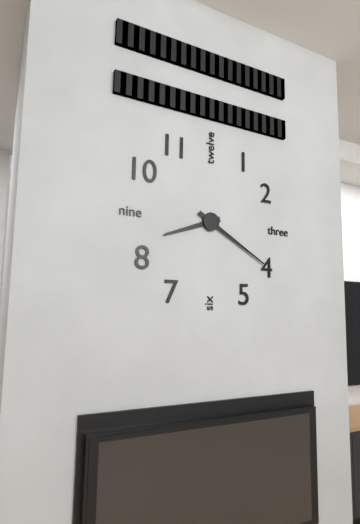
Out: {"hour": 8, "minute": 20}
